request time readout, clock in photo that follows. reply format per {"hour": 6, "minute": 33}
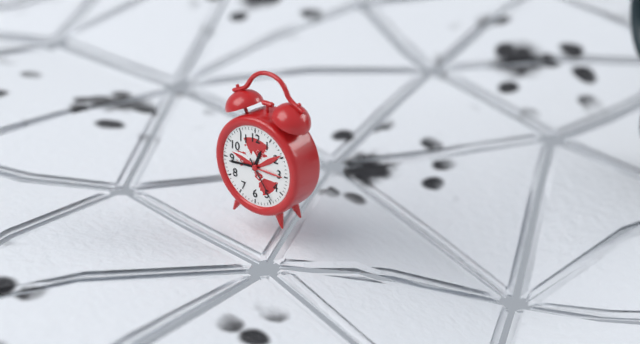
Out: {"hour": 12, "minute": 44}
